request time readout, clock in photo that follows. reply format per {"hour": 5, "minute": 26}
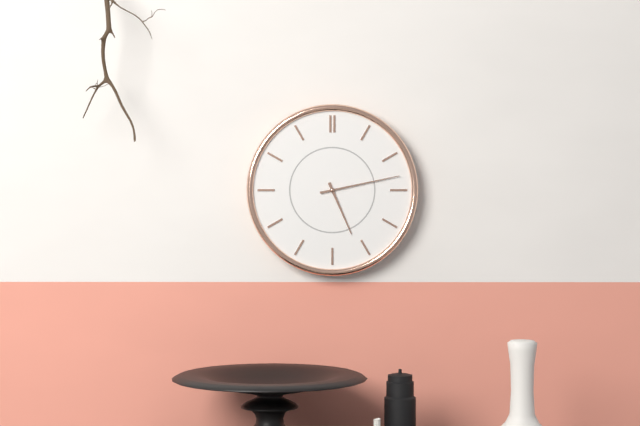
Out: {"hour": 5, "minute": 13}
